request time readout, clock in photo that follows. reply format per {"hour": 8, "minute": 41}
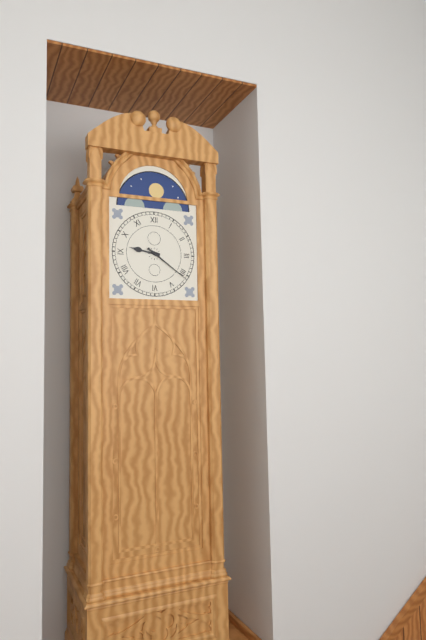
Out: {"hour": 9, "minute": 21}
